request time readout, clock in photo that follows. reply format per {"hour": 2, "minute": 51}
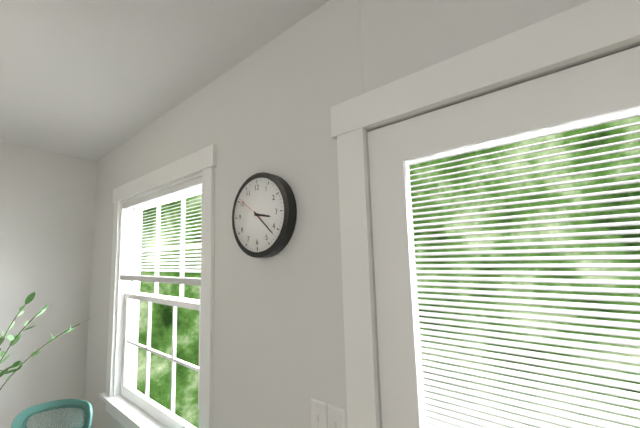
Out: {"hour": 3, "minute": 22}
